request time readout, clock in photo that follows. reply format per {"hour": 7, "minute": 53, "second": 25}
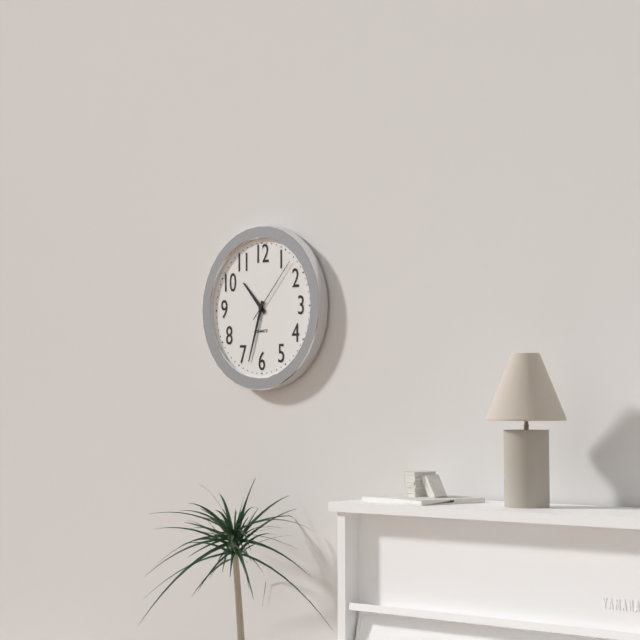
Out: {"hour": 10, "minute": 33, "second": 7}
